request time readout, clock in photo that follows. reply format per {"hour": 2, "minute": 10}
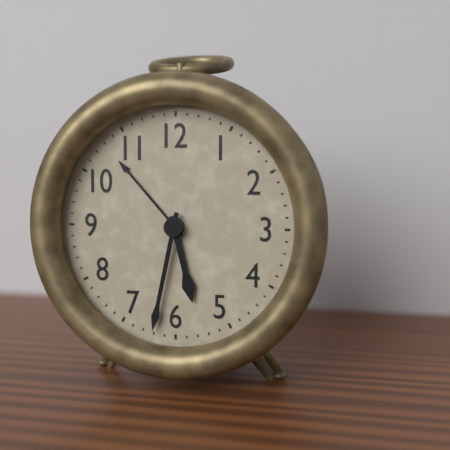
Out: {"hour": 5, "minute": 32}
